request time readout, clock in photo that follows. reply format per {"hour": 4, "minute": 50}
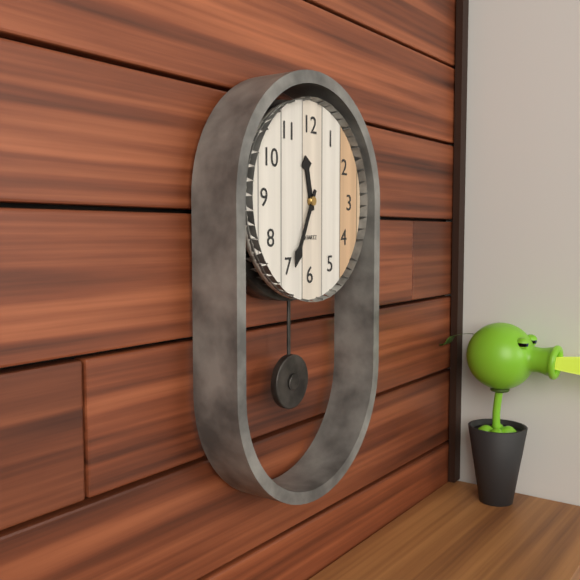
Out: {"hour": 11, "minute": 34}
